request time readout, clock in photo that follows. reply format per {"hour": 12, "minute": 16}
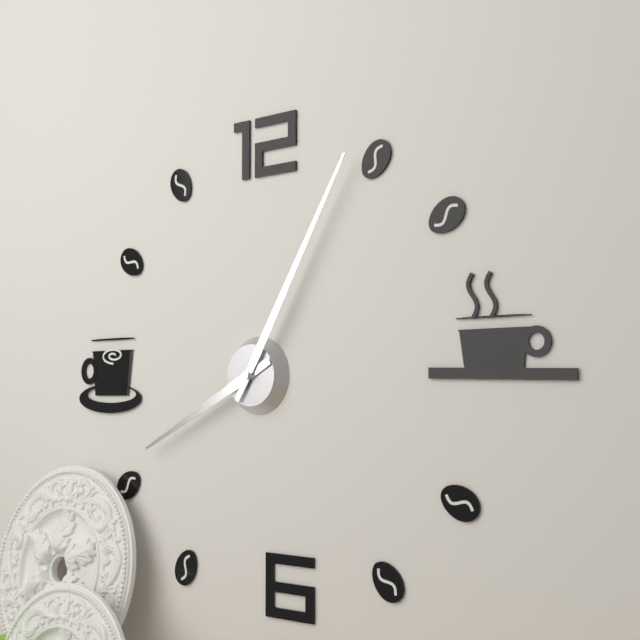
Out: {"hour": 8, "minute": 5}
